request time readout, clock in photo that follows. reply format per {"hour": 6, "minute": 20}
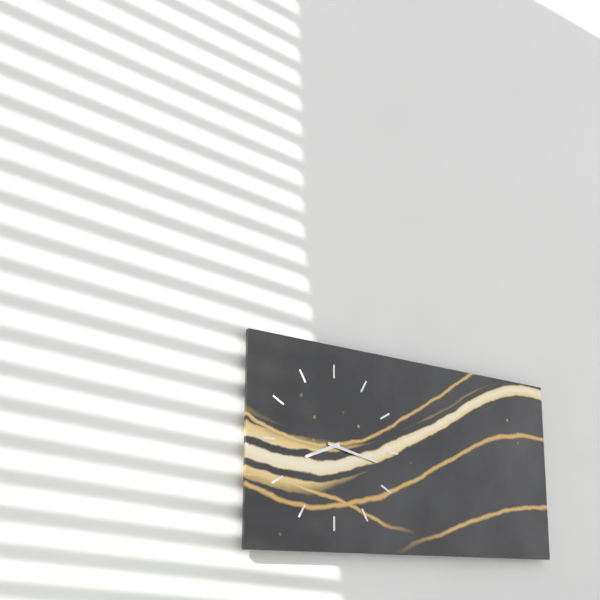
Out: {"hour": 8, "minute": 17}
